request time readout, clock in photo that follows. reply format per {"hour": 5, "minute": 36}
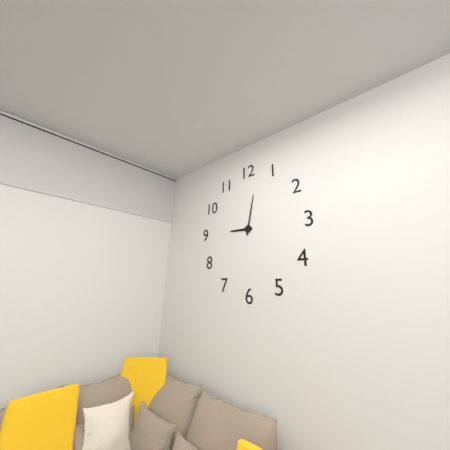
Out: {"hour": 9, "minute": 2}
